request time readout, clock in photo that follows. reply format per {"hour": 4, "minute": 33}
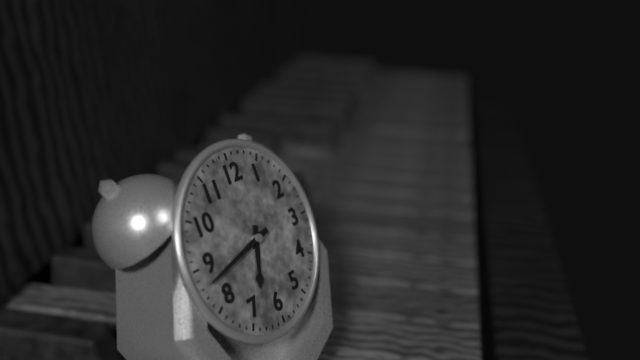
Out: {"hour": 6, "minute": 43}
